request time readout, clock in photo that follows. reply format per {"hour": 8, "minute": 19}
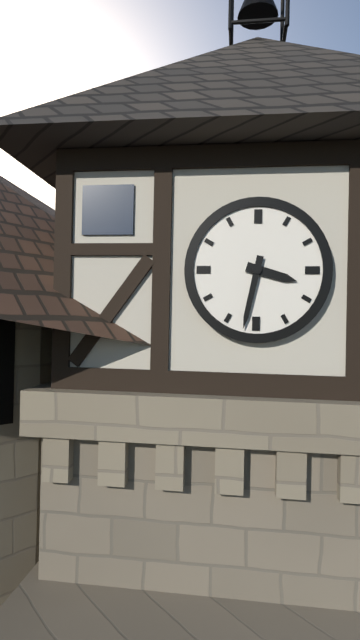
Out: {"hour": 3, "minute": 32}
